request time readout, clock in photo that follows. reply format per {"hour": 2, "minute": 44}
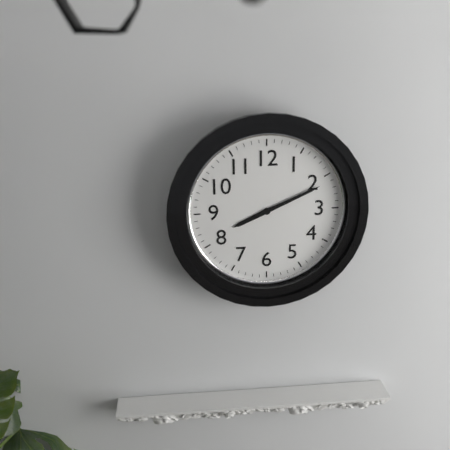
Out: {"hour": 8, "minute": 11}
